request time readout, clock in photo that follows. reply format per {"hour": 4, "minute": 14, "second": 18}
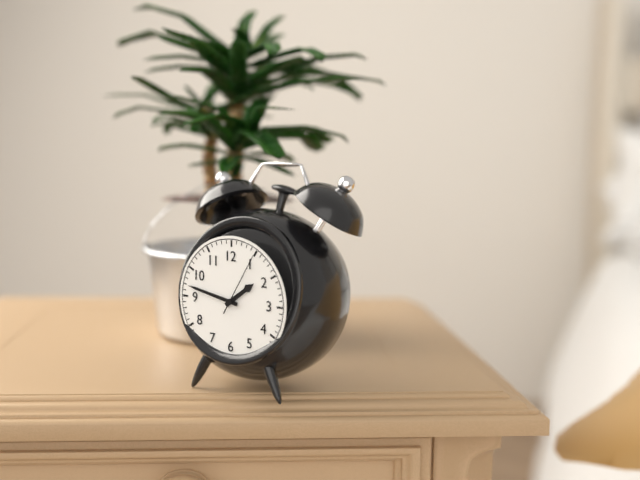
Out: {"hour": 1, "minute": 47, "second": 5}
